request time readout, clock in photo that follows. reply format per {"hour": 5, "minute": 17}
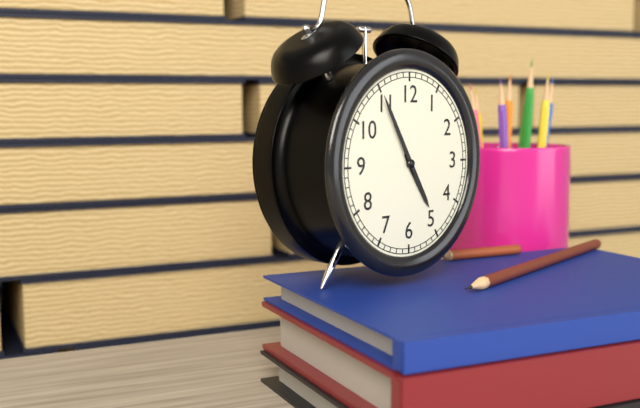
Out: {"hour": 4, "minute": 55}
